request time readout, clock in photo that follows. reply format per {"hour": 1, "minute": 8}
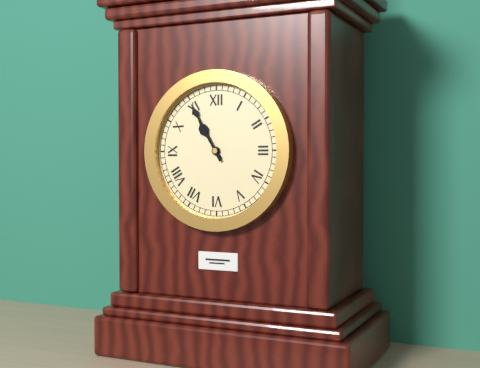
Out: {"hour": 10, "minute": 55}
